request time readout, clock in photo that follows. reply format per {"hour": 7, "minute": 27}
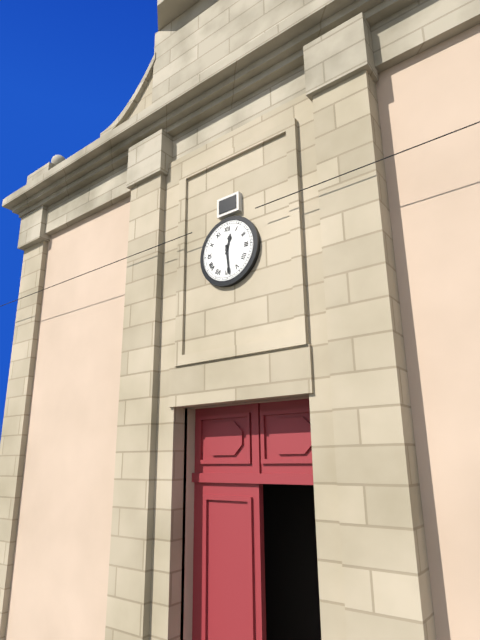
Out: {"hour": 12, "minute": 29}
